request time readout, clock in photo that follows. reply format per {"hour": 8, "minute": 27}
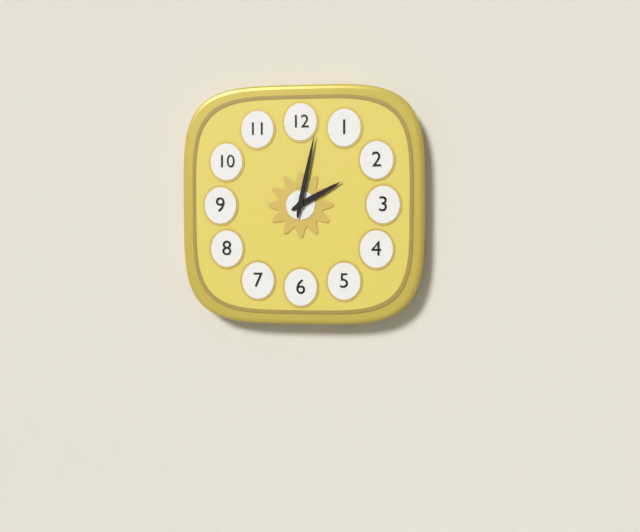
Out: {"hour": 2, "minute": 2}
